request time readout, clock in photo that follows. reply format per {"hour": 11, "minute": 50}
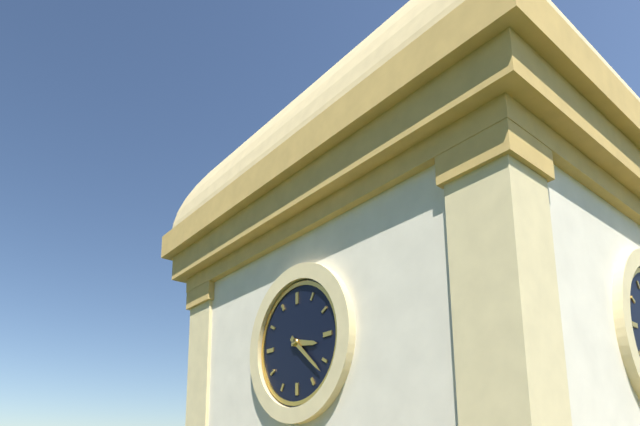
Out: {"hour": 3, "minute": 22}
